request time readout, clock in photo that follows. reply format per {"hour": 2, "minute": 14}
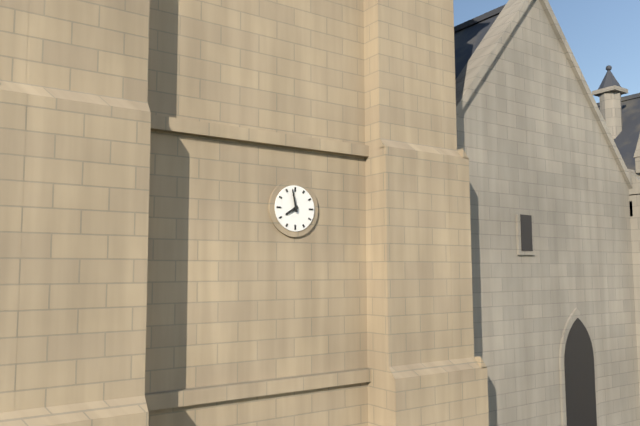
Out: {"hour": 7, "minute": 58}
